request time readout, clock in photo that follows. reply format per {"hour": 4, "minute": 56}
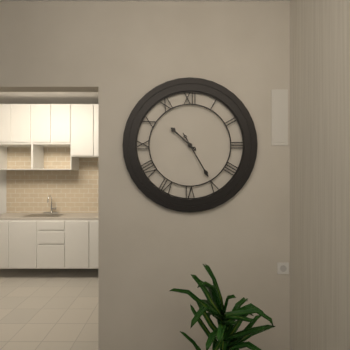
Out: {"hour": 10, "minute": 25}
